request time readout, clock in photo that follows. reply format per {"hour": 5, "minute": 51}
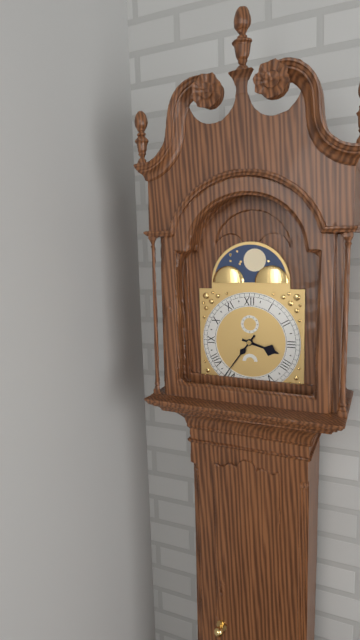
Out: {"hour": 3, "minute": 36}
